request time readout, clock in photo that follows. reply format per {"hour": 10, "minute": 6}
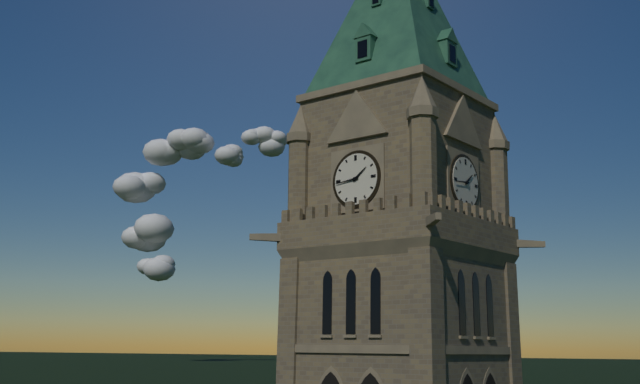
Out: {"hour": 1, "minute": 44}
